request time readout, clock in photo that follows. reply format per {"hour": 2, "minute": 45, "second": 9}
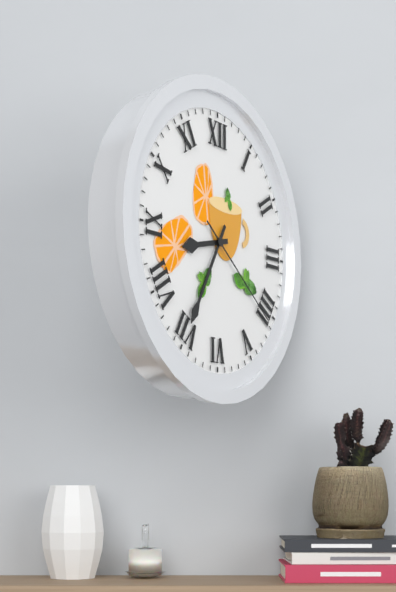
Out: {"hour": 8, "minute": 35, "second": 21}
